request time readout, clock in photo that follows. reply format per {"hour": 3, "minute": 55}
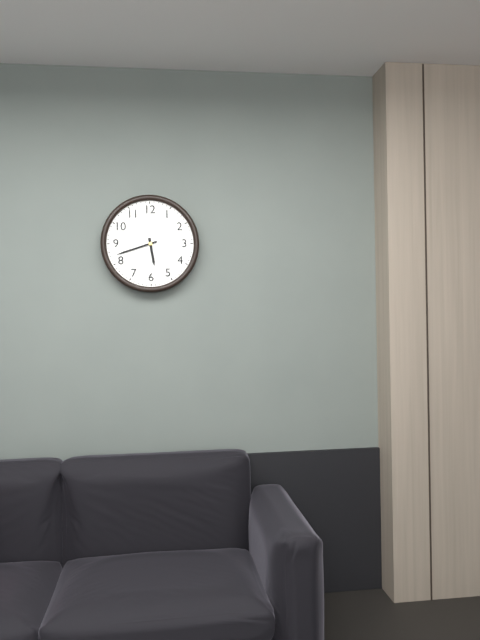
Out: {"hour": 5, "minute": 42}
